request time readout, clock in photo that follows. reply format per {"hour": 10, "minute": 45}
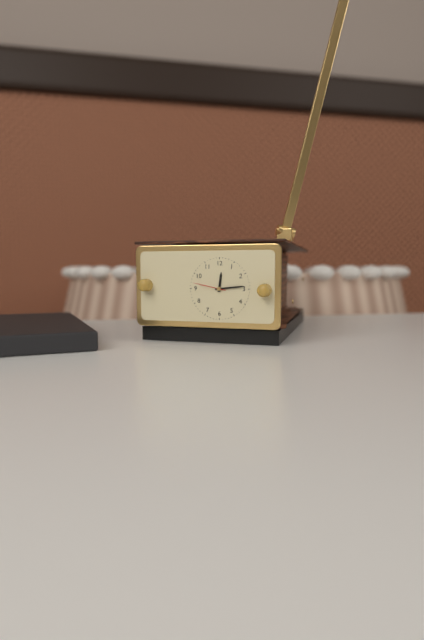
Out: {"hour": 12, "minute": 14}
